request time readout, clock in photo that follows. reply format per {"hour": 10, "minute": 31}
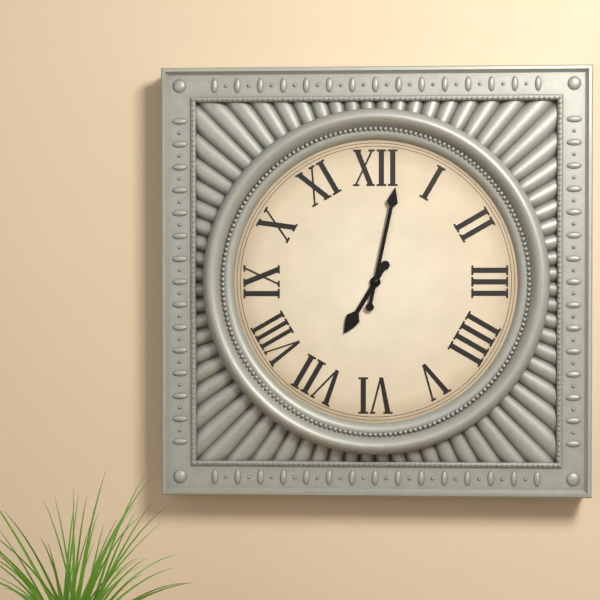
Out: {"hour": 7, "minute": 2}
